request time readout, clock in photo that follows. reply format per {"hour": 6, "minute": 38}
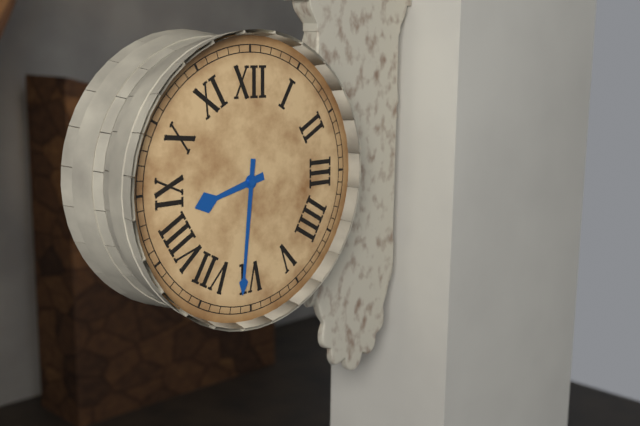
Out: {"hour": 8, "minute": 31}
